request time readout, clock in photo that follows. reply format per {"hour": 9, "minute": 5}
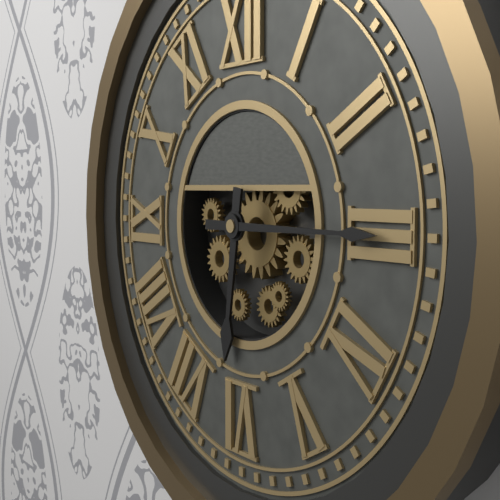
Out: {"hour": 6, "minute": 15}
